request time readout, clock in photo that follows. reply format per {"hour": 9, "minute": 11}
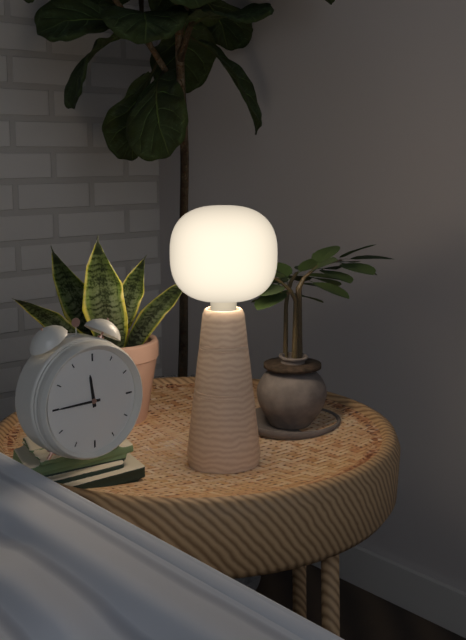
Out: {"hour": 11, "minute": 45}
